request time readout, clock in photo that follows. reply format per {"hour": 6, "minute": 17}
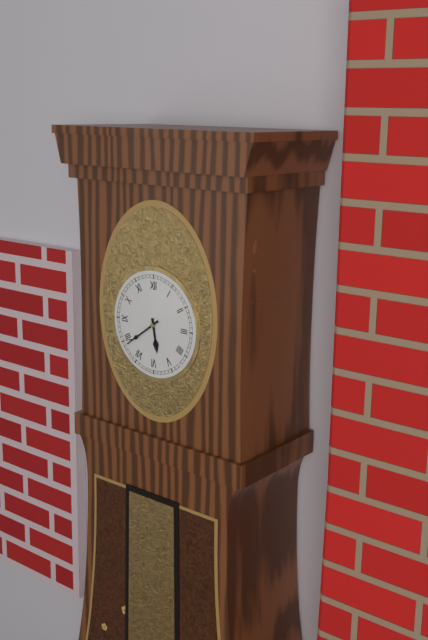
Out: {"hour": 5, "minute": 39}
